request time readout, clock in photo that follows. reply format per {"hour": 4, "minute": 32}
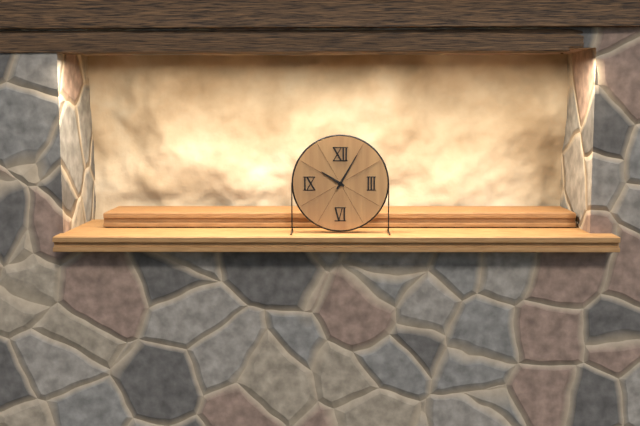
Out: {"hour": 10, "minute": 5}
